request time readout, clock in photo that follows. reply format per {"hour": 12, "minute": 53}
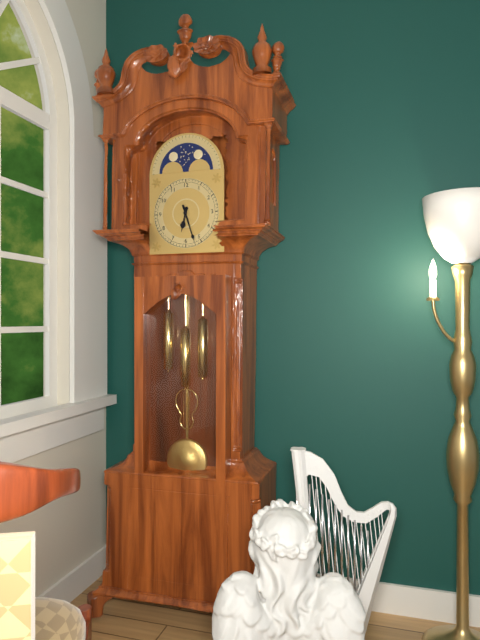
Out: {"hour": 6, "minute": 27}
